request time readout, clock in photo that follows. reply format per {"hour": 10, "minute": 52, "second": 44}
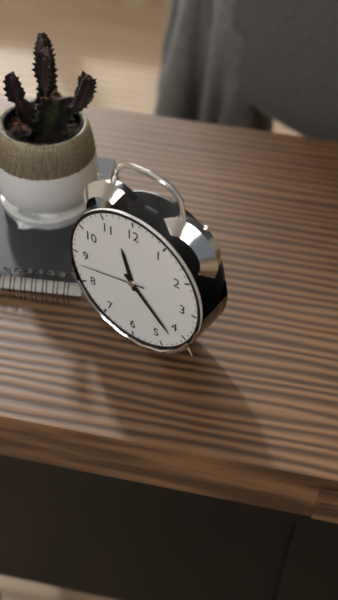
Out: {"hour": 11, "minute": 22, "second": 43}
